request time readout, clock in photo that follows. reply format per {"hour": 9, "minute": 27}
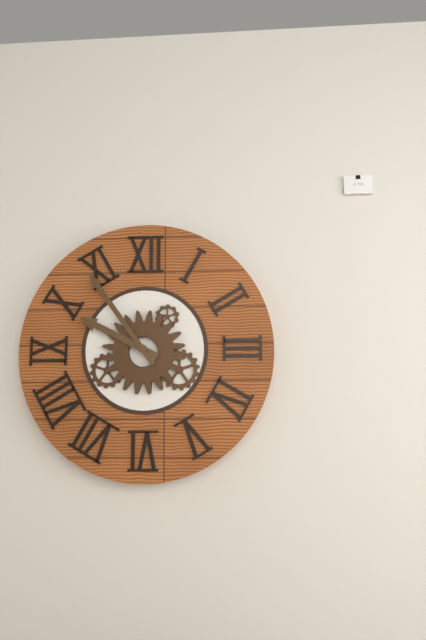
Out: {"hour": 9, "minute": 54}
